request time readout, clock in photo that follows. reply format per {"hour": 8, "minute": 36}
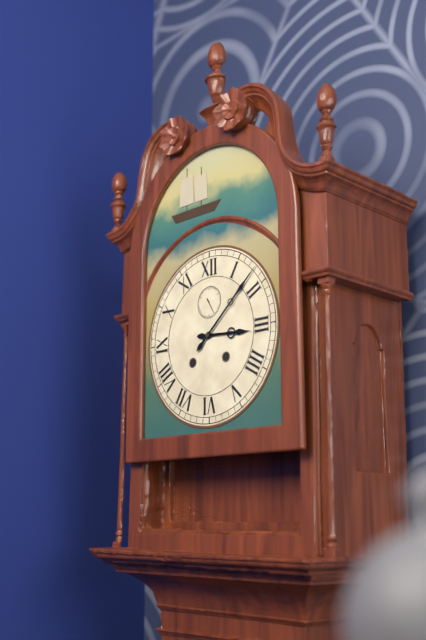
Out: {"hour": 3, "minute": 8}
